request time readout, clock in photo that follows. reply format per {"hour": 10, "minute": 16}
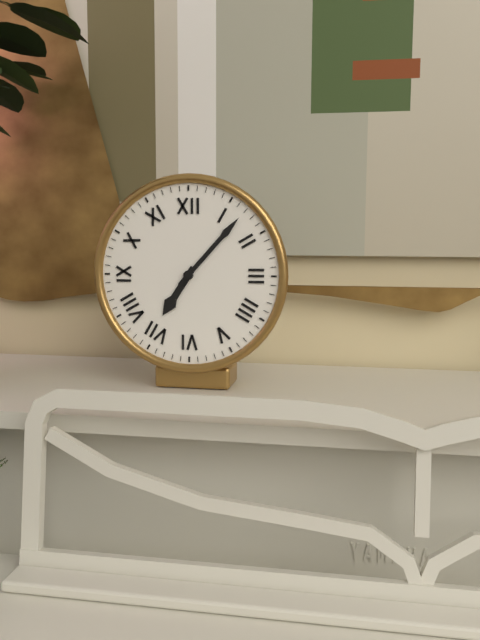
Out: {"hour": 7, "minute": 7}
